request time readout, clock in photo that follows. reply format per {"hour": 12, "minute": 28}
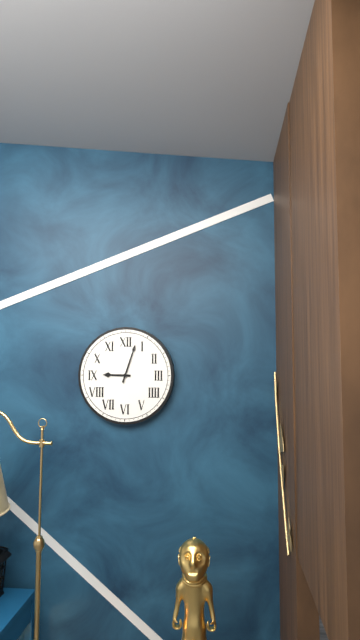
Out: {"hour": 9, "minute": 3}
